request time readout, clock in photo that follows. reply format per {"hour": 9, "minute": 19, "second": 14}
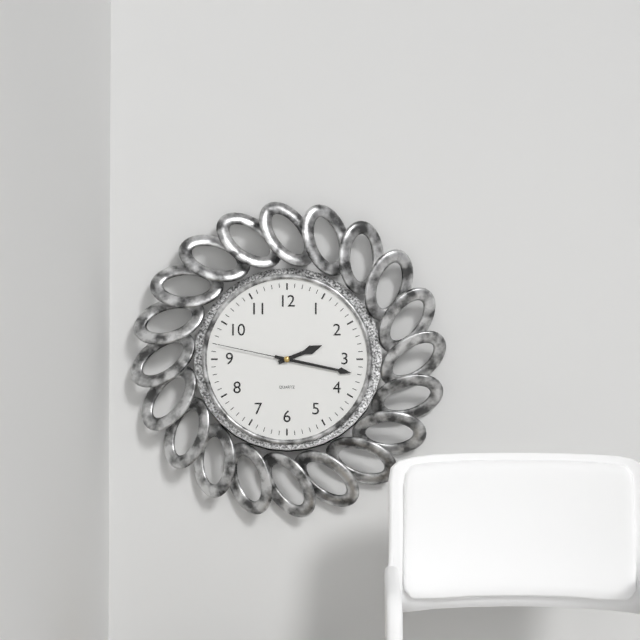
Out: {"hour": 2, "minute": 17, "second": 47}
